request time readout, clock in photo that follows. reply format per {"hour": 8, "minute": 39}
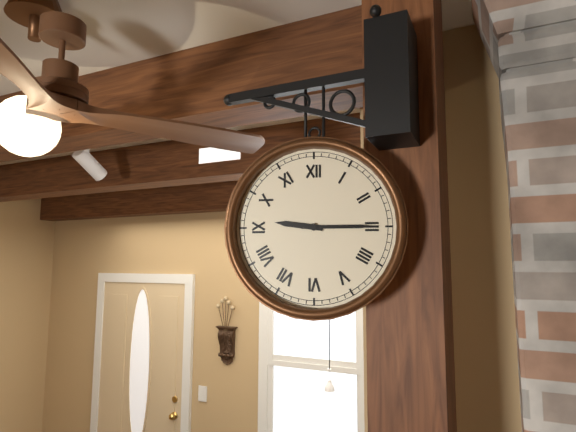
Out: {"hour": 9, "minute": 15}
